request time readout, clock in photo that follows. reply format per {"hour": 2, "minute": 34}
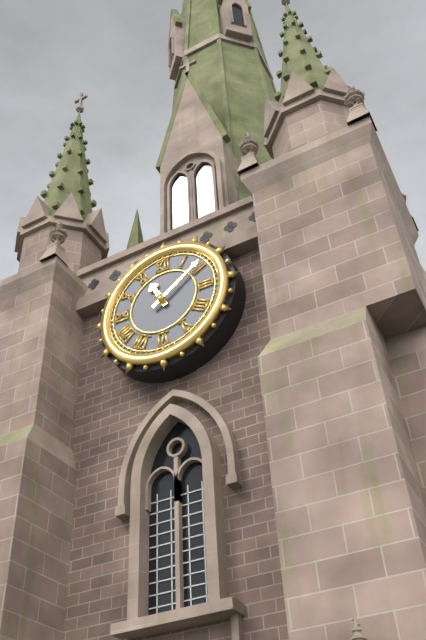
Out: {"hour": 11, "minute": 9}
